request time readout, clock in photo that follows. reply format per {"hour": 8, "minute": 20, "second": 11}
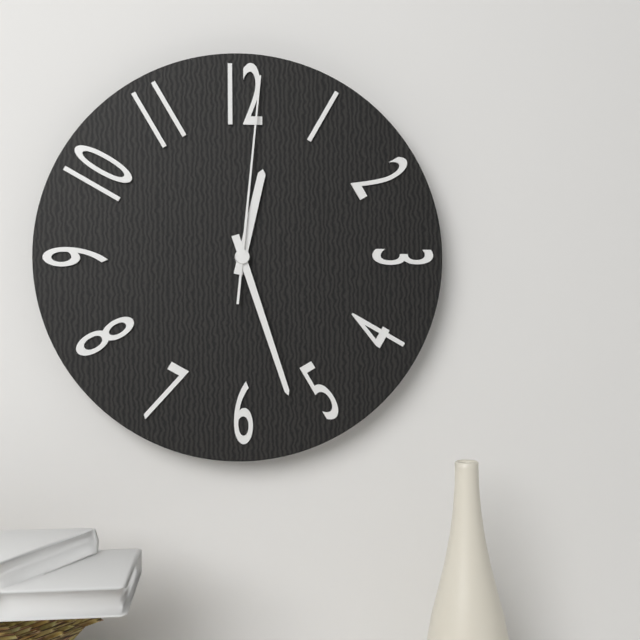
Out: {"hour": 12, "minute": 27, "second": 1}
